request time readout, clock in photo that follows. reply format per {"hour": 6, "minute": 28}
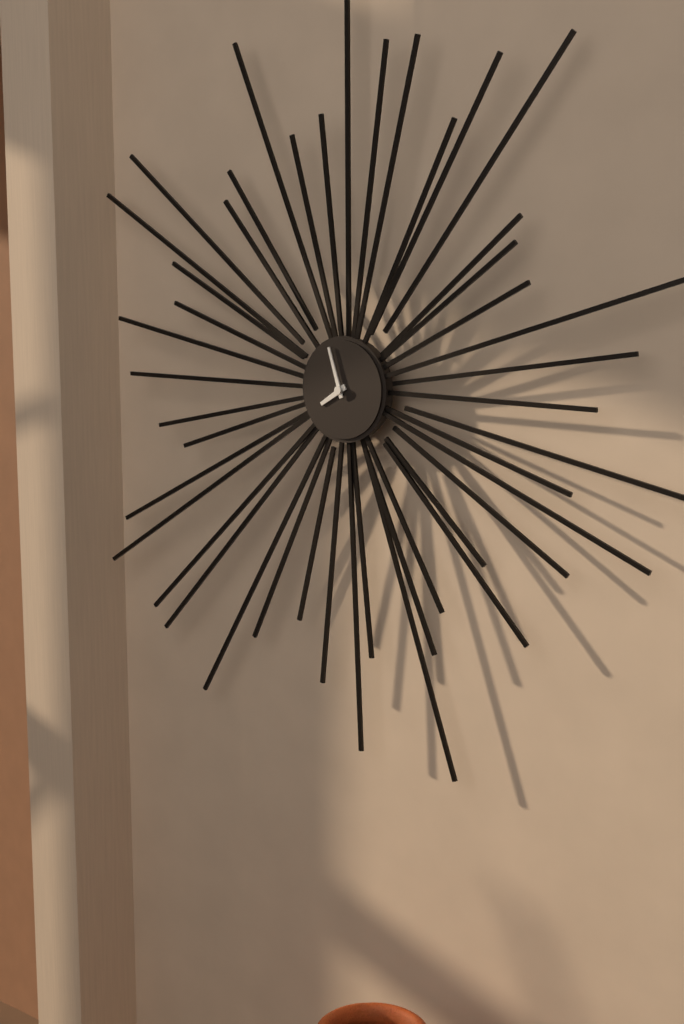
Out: {"hour": 7, "minute": 57}
